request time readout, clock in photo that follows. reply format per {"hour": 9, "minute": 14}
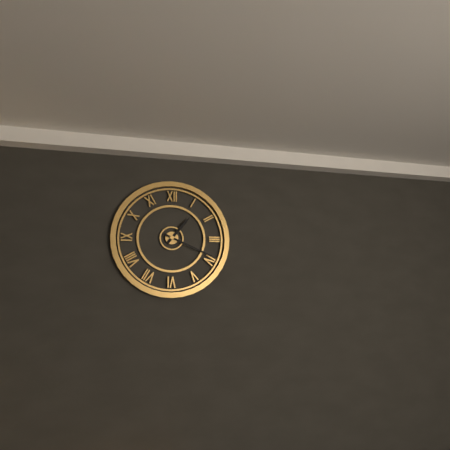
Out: {"hour": 1, "minute": 19}
